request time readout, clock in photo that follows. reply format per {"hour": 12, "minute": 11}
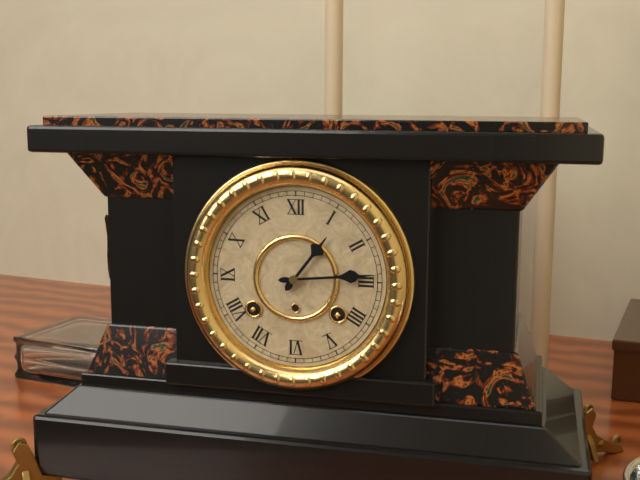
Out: {"hour": 1, "minute": 14}
